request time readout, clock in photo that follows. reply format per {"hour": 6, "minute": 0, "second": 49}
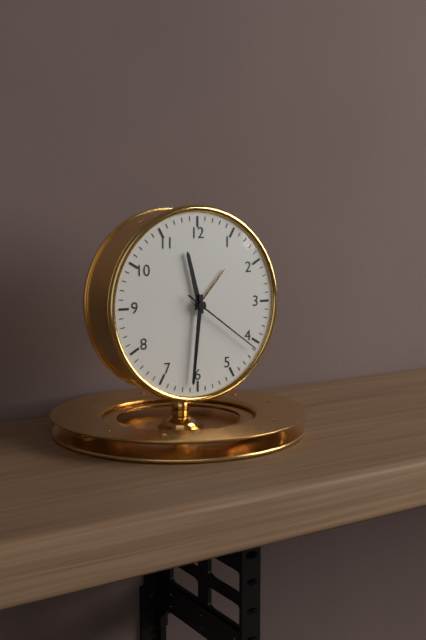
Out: {"hour": 11, "minute": 31, "second": 21}
